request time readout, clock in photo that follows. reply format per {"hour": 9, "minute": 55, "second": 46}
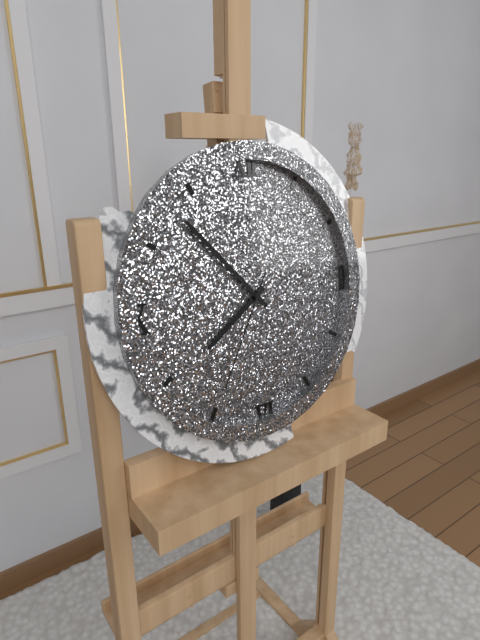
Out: {"hour": 7, "minute": 53, "second": 35}
